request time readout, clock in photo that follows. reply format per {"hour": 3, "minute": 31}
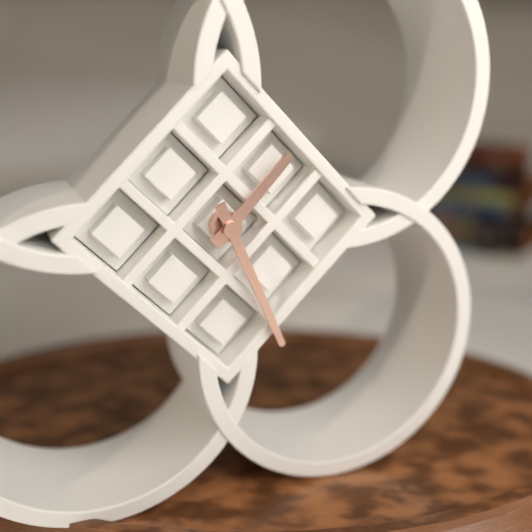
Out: {"hour": 1, "minute": 26}
